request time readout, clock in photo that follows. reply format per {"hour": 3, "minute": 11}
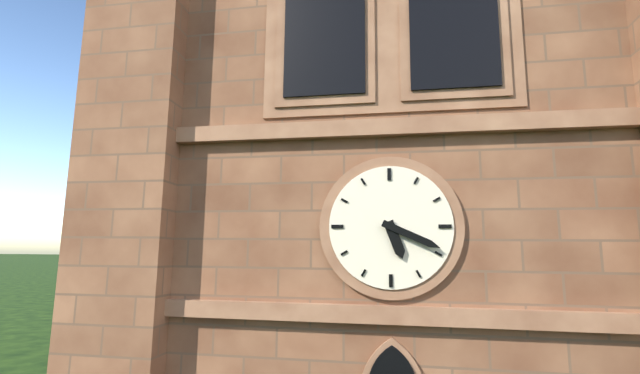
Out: {"hour": 5, "minute": 19}
